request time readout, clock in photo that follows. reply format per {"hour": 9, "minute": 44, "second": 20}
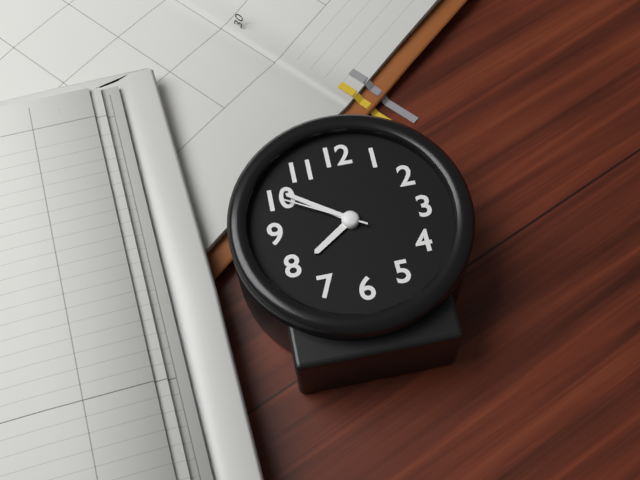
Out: {"hour": 7, "minute": 51, "second": 50}
